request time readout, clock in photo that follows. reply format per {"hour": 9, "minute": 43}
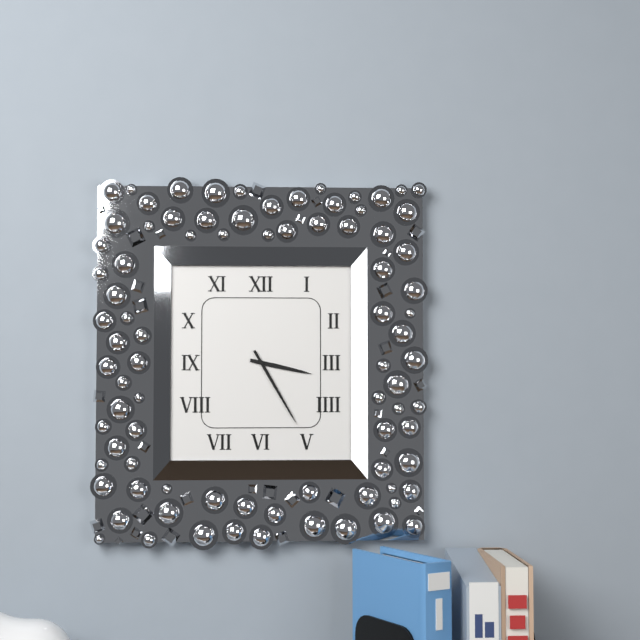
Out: {"hour": 3, "minute": 25}
